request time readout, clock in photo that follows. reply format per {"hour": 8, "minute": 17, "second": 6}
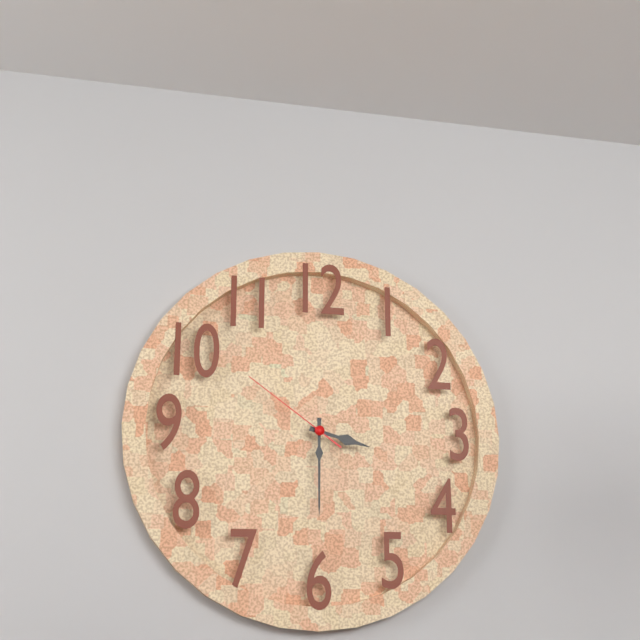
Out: {"hour": 3, "minute": 30, "second": 51}
